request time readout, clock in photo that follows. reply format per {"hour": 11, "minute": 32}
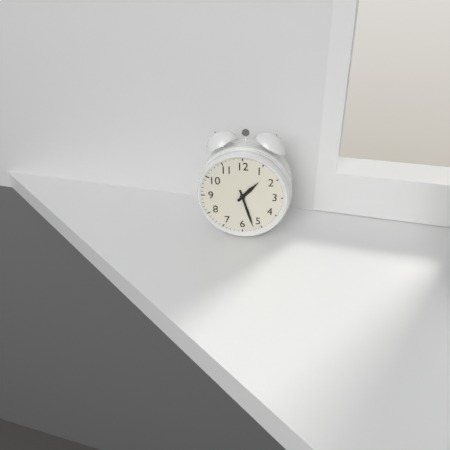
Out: {"hour": 1, "minute": 27}
